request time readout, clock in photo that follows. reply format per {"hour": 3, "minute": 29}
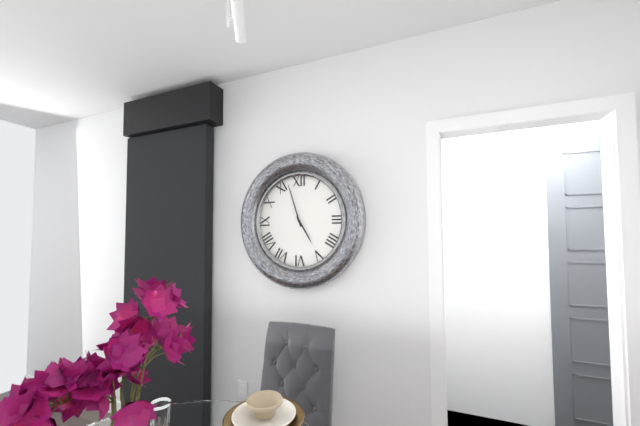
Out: {"hour": 4, "minute": 57}
